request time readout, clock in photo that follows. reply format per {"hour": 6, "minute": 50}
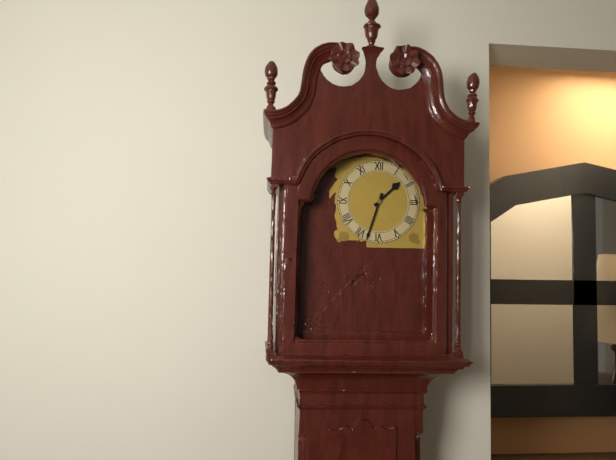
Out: {"hour": 1, "minute": 33}
